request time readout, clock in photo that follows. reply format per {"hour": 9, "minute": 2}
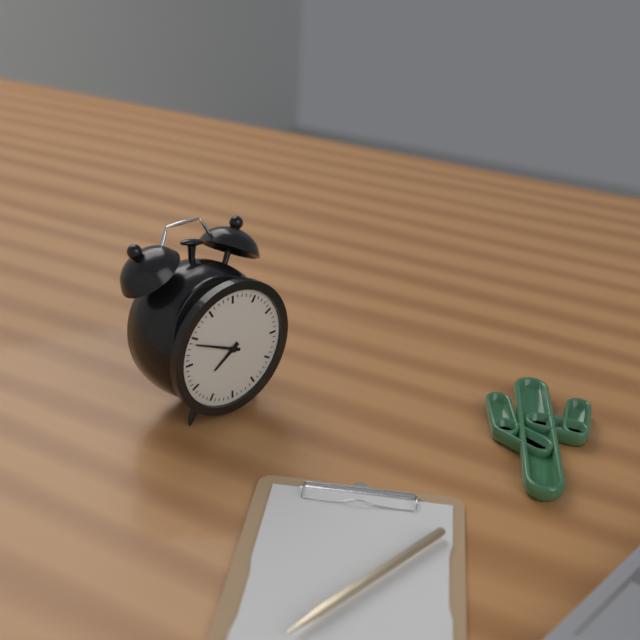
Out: {"hour": 7, "minute": 49}
